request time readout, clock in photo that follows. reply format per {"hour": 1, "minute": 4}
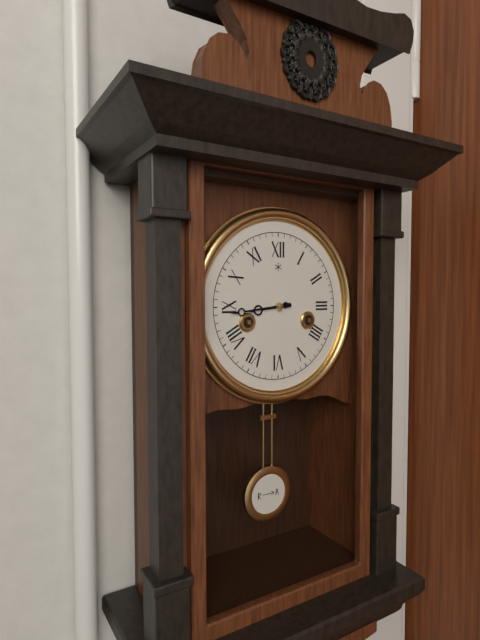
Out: {"hour": 8, "minute": 44}
